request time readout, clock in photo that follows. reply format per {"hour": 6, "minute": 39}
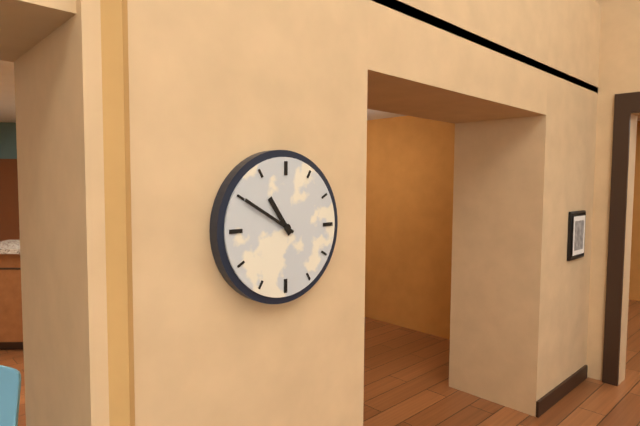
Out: {"hour": 10, "minute": 50}
